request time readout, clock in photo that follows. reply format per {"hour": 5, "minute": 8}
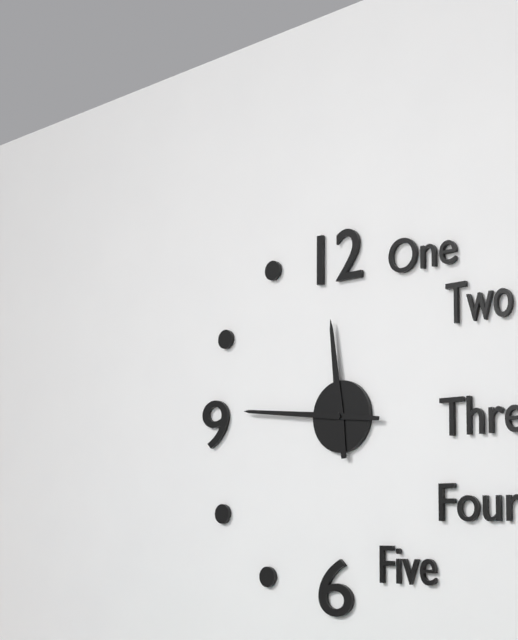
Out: {"hour": 11, "minute": 46}
